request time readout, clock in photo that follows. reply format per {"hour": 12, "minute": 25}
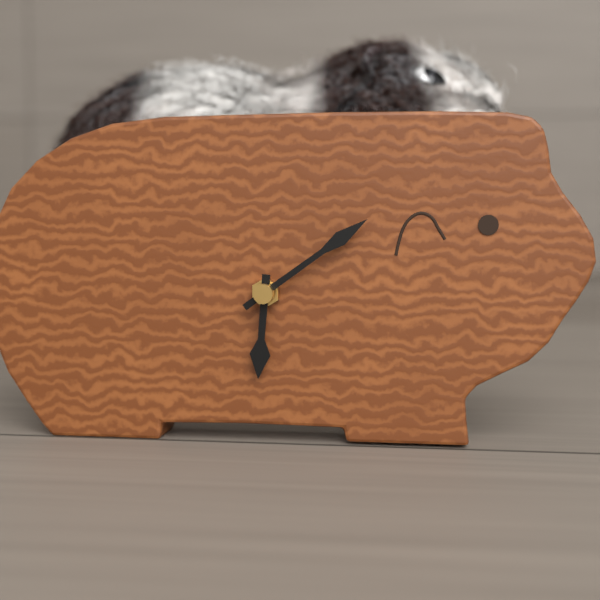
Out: {"hour": 6, "minute": 9}
